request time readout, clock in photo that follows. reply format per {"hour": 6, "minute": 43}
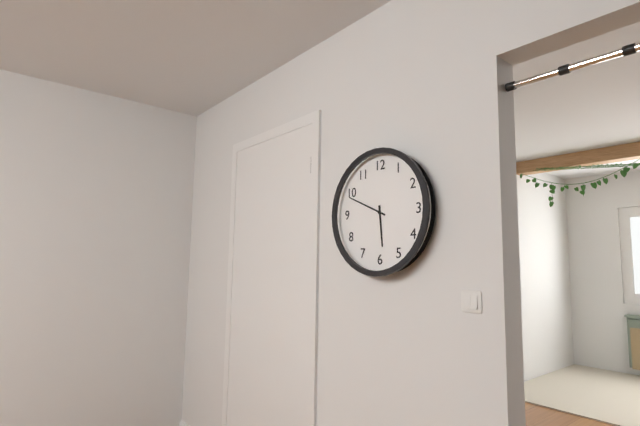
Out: {"hour": 5, "minute": 49}
